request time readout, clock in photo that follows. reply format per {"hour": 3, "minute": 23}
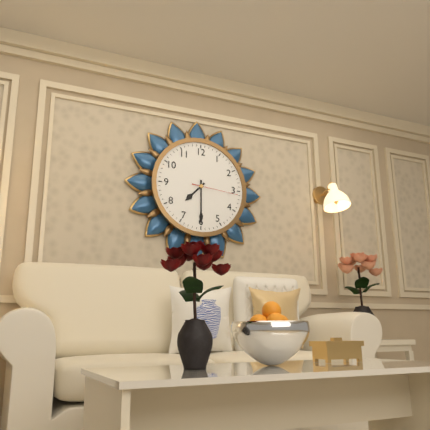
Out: {"hour": 7, "minute": 30}
